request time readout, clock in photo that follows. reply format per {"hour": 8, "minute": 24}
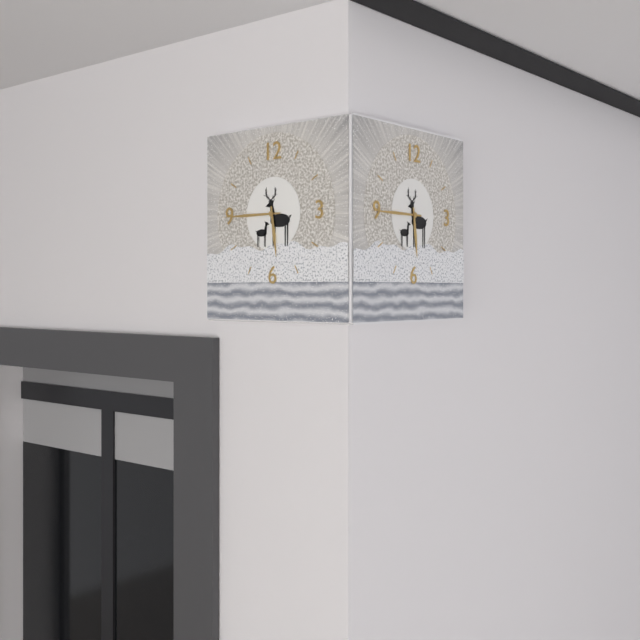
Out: {"hour": 5, "minute": 45}
